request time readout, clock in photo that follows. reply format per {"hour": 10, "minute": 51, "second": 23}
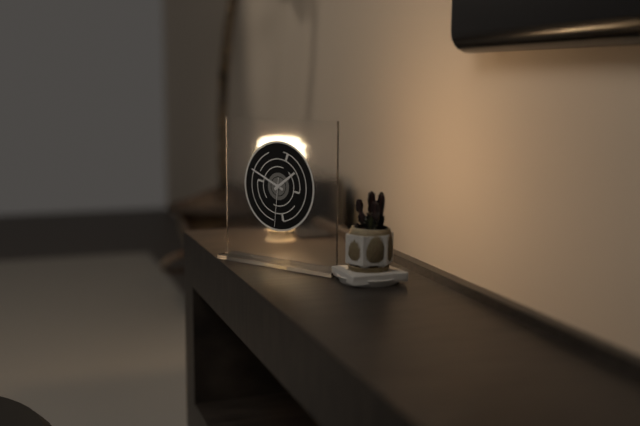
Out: {"hour": 1, "minute": 49, "second": 31}
